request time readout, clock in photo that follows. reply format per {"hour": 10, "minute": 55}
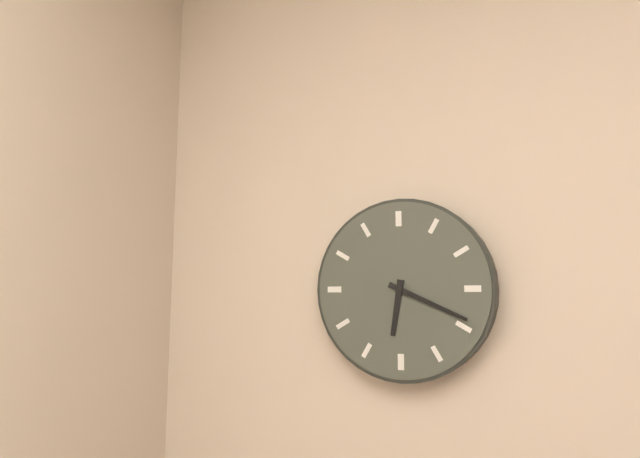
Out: {"hour": 6, "minute": 19}
